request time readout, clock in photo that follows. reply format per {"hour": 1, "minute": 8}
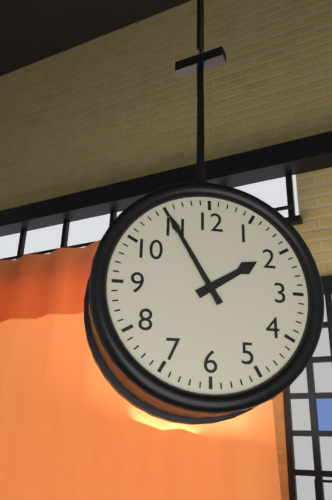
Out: {"hour": 1, "minute": 55}
